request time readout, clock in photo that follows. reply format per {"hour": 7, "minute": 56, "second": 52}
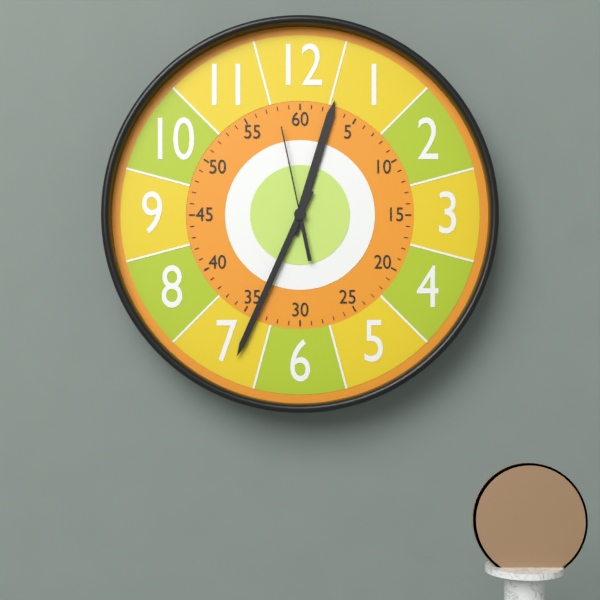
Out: {"hour": 12, "minute": 34, "second": 58}
